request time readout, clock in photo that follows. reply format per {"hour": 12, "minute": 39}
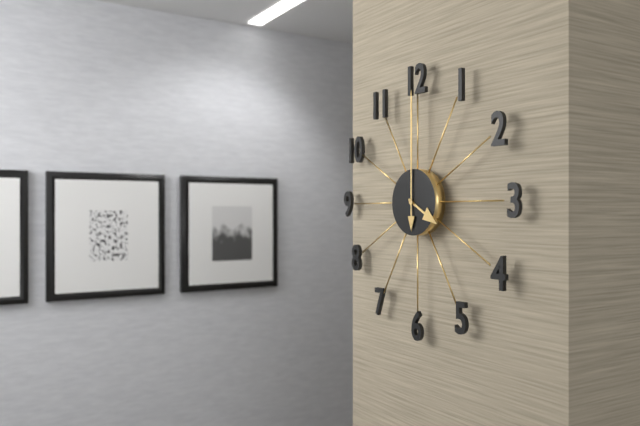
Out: {"hour": 4, "minute": 0}
